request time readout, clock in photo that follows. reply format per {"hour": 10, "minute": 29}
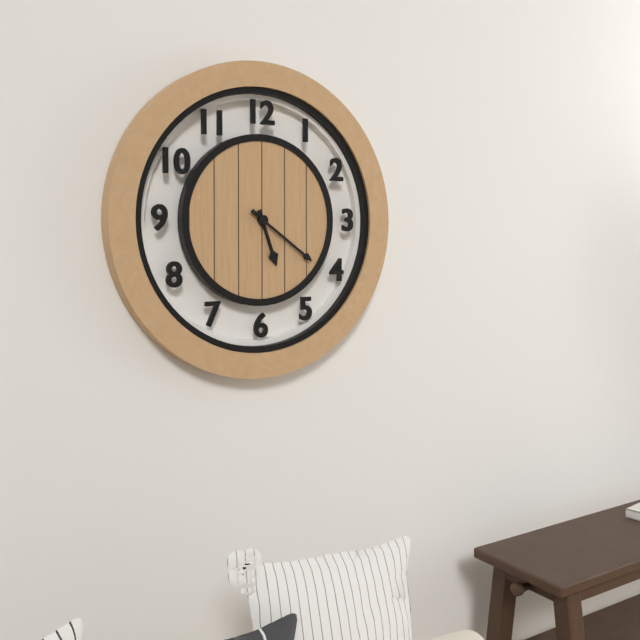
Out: {"hour": 5, "minute": 21}
